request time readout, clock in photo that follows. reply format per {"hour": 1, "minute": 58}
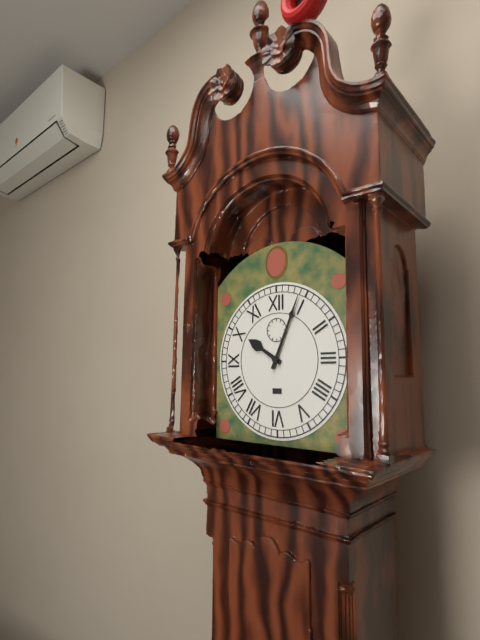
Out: {"hour": 10, "minute": 4}
